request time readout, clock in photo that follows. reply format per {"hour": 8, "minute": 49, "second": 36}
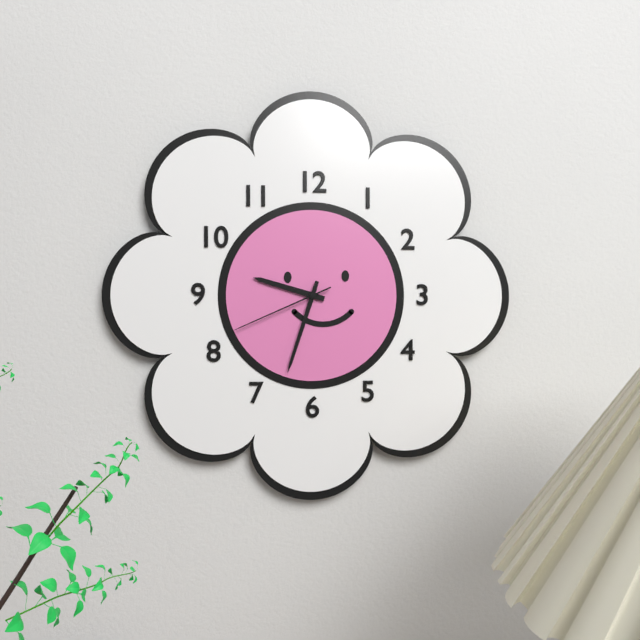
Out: {"hour": 9, "minute": 33, "second": 41}
